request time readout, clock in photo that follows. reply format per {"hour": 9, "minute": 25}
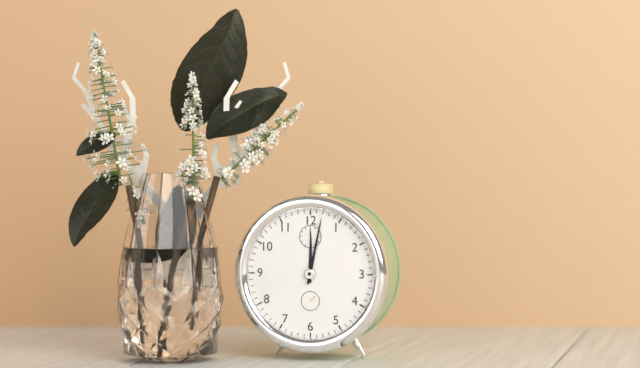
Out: {"hour": 12, "minute": 2}
